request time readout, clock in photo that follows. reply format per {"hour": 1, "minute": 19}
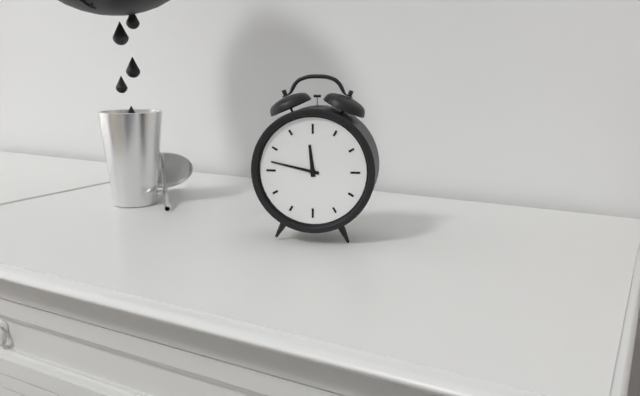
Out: {"hour": 11, "minute": 47}
